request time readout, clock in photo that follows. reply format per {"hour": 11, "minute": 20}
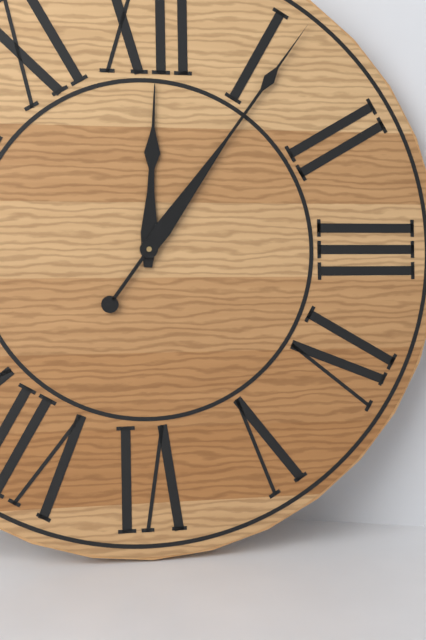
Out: {"hour": 12, "minute": 6}
